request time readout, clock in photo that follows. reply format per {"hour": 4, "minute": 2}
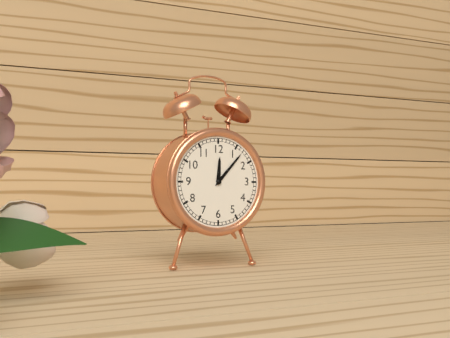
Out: {"hour": 12, "minute": 7}
